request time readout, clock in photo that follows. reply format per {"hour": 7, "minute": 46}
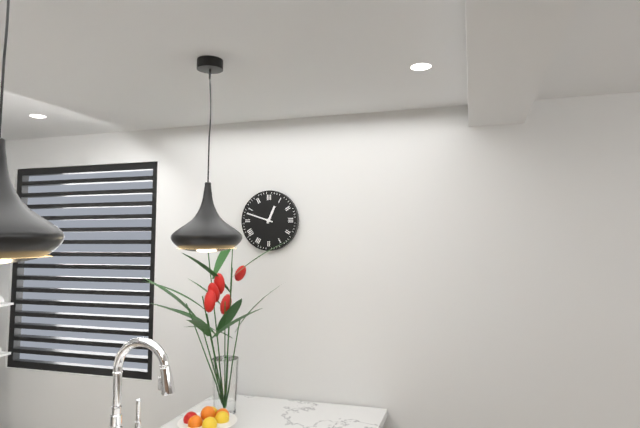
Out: {"hour": 12, "minute": 48}
